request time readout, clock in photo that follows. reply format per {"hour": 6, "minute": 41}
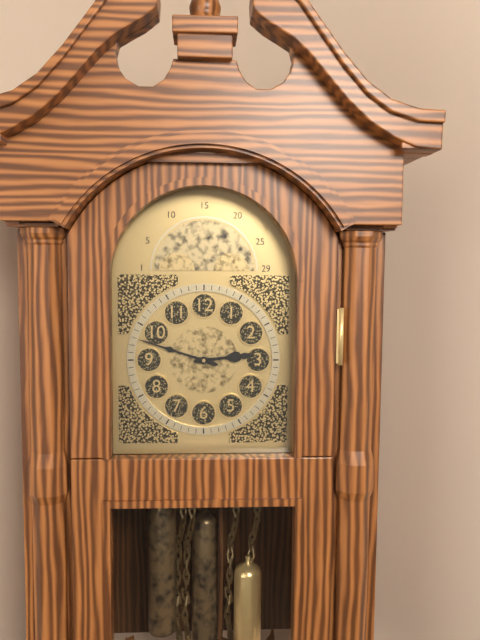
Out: {"hour": 2, "minute": 48}
